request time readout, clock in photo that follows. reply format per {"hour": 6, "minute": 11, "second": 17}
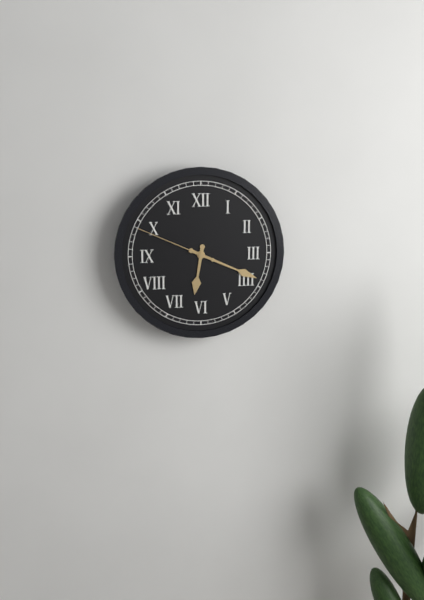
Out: {"hour": 6, "minute": 19, "second": 49}
